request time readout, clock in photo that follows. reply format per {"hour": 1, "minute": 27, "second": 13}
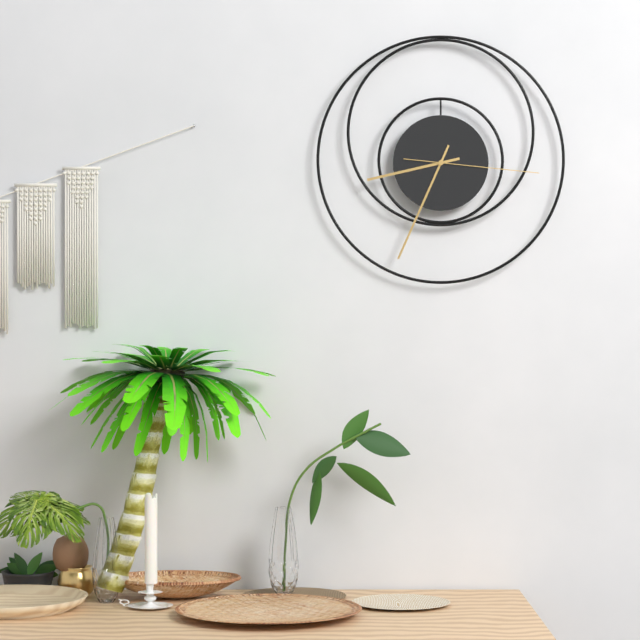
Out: {"hour": 8, "minute": 34, "second": 16}
